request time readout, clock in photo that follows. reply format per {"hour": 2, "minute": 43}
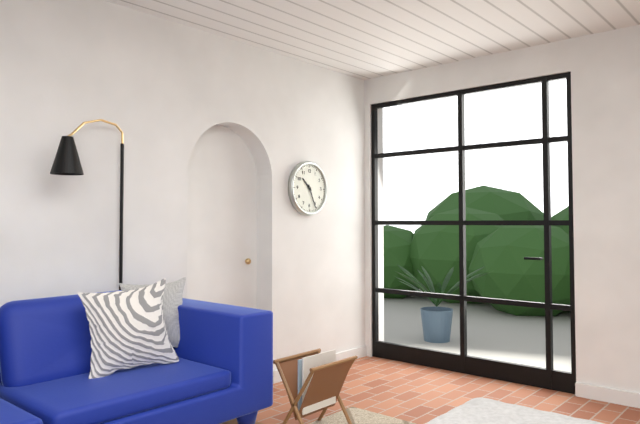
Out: {"hour": 10, "minute": 26}
